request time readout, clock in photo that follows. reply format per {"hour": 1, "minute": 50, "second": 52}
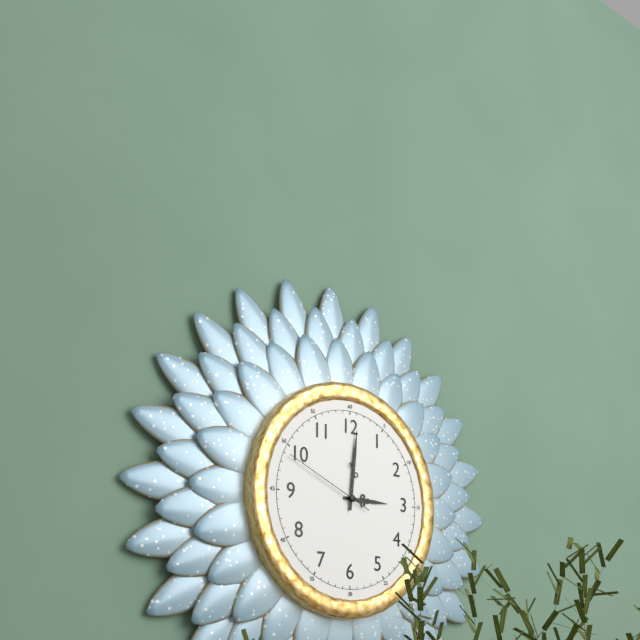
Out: {"hour": 3, "minute": 1, "second": 49}
